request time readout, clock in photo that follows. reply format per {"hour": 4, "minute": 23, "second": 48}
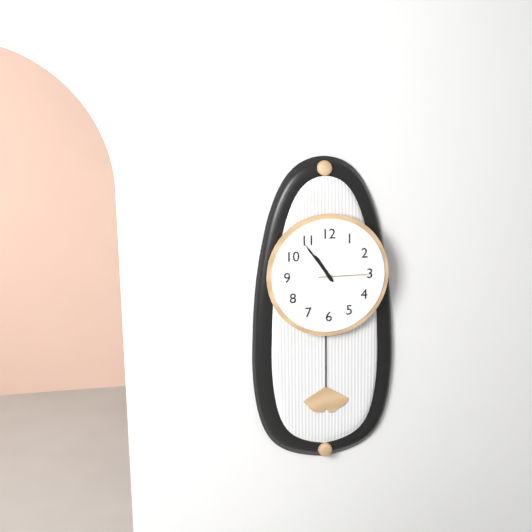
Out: {"hour": 10, "minute": 54, "second": 15}
